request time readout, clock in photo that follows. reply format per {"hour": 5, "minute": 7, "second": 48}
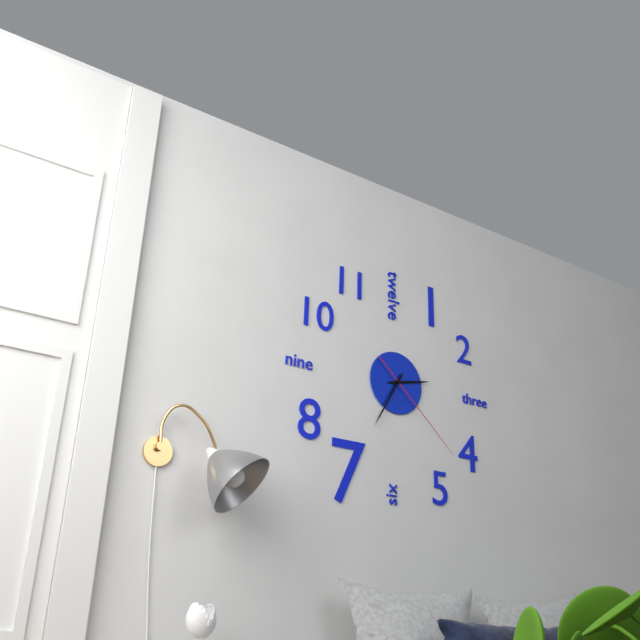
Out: {"hour": 2, "minute": 35, "second": 22}
